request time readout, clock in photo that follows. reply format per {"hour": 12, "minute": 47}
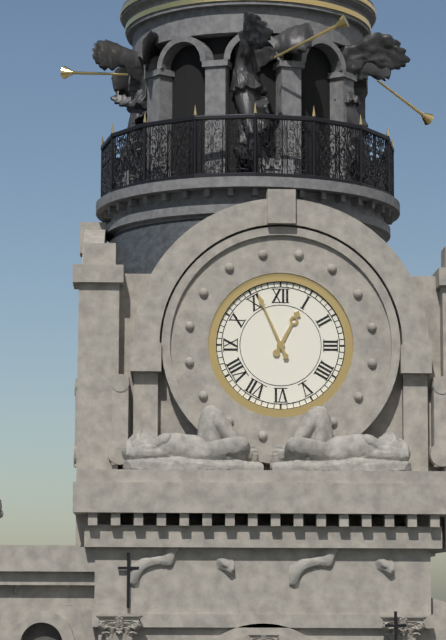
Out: {"hour": 12, "minute": 56}
